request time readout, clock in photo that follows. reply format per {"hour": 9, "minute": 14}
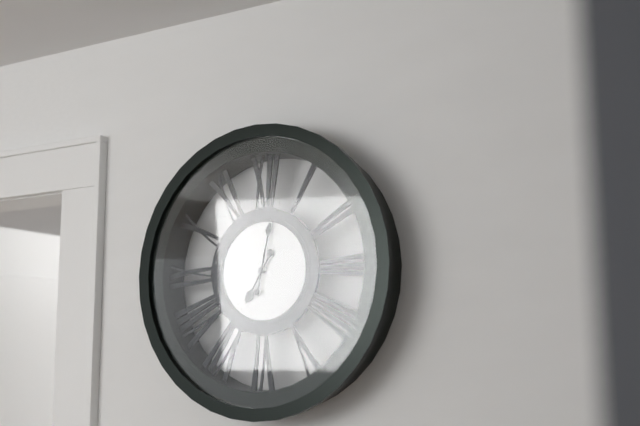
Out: {"hour": 7, "minute": 2}
